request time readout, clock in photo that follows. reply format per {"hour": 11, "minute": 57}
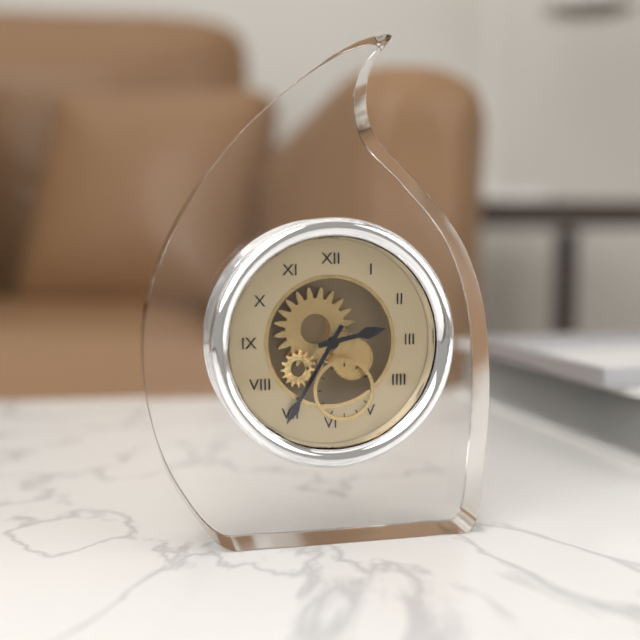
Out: {"hour": 2, "minute": 35}
